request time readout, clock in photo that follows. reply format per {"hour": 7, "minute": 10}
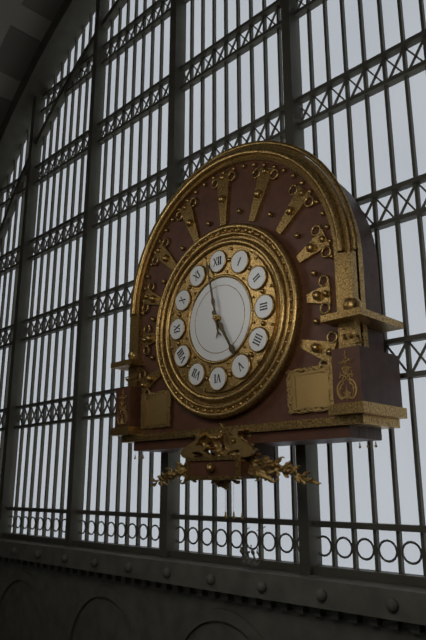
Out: {"hour": 4, "minute": 58}
